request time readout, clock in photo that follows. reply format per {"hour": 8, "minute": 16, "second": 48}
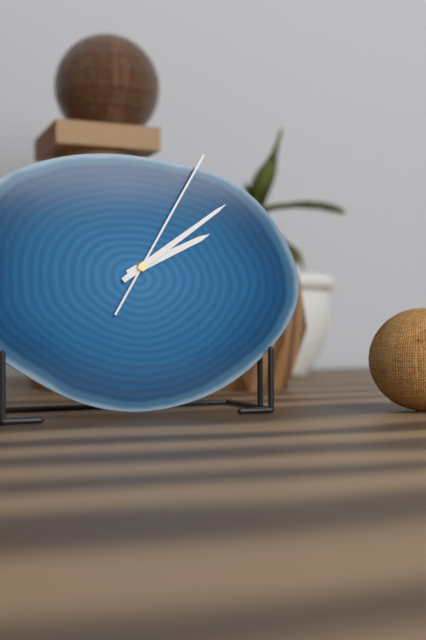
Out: {"hour": 2, "minute": 9, "second": 5}
